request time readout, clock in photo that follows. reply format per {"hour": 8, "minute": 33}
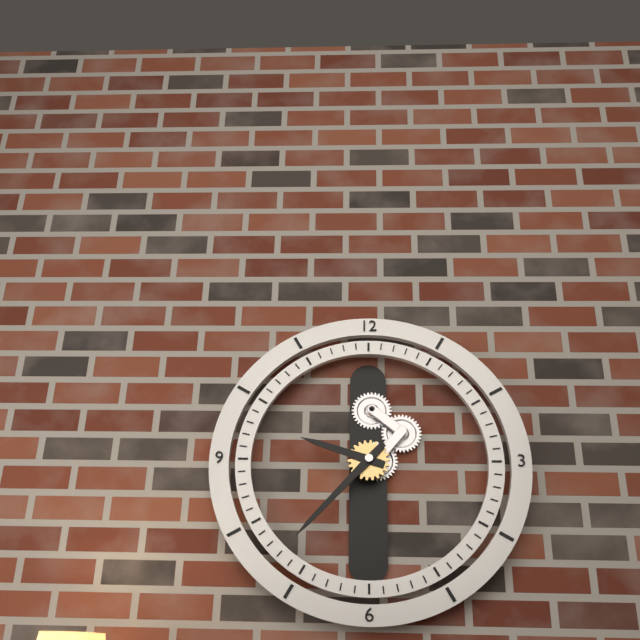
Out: {"hour": 9, "minute": 37}
